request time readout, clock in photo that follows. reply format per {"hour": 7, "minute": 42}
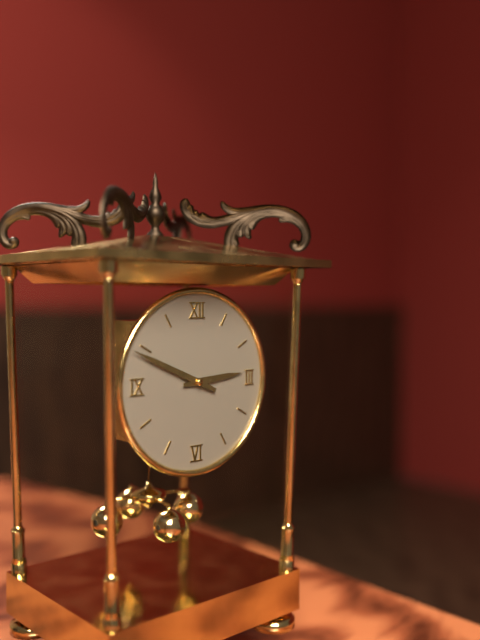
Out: {"hour": 2, "minute": 49}
